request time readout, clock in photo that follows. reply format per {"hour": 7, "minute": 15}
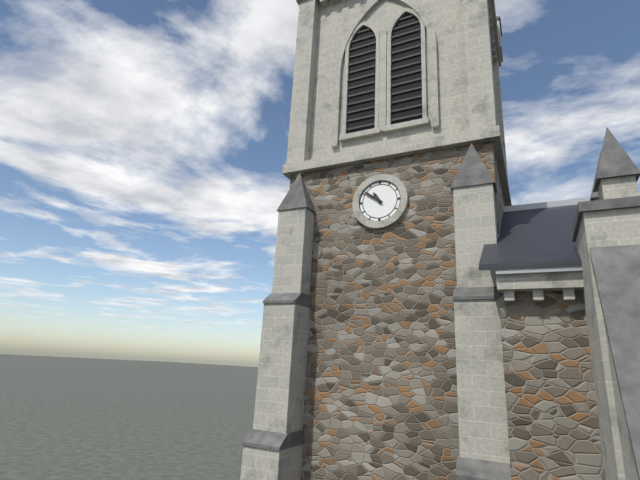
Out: {"hour": 10, "minute": 51}
